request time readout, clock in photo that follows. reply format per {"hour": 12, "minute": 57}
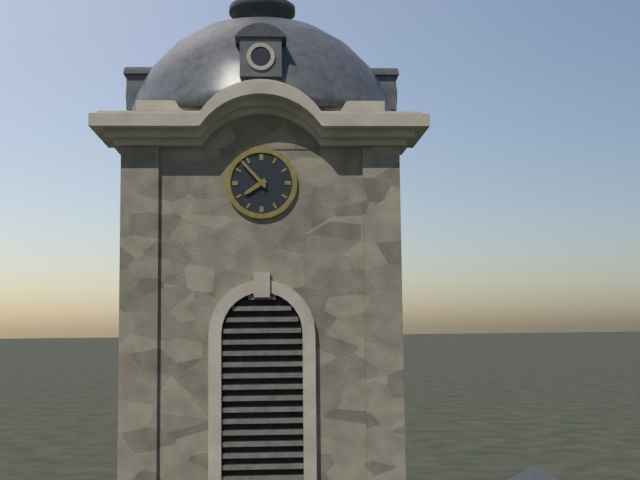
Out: {"hour": 7, "minute": 53}
